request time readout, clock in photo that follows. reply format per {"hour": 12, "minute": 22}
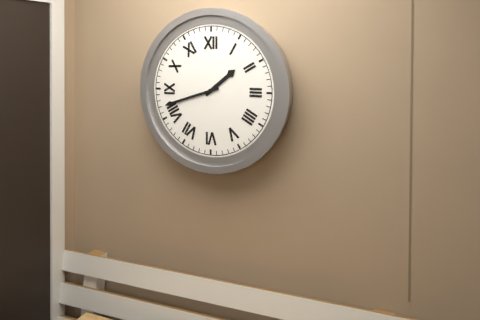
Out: {"hour": 1, "minute": 42}
